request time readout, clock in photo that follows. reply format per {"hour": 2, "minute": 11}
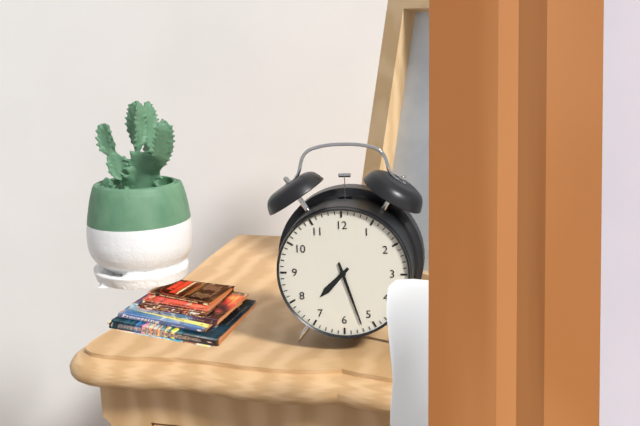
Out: {"hour": 7, "minute": 27}
